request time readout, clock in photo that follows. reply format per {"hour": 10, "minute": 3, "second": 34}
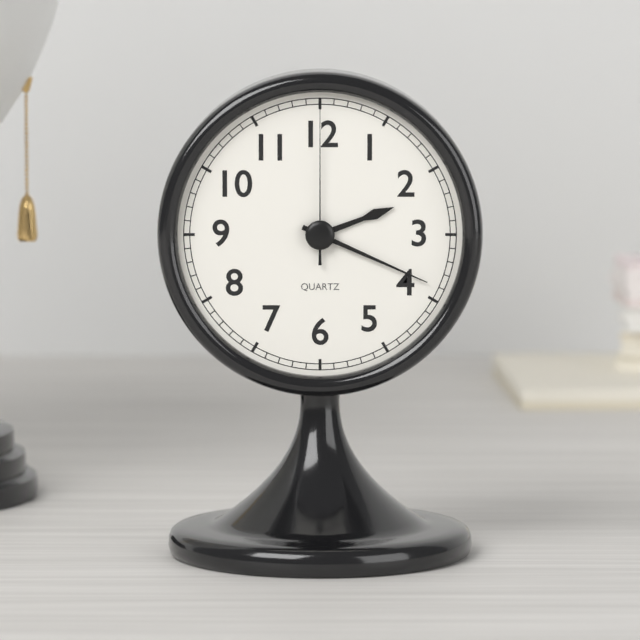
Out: {"hour": 2, "minute": 19, "second": 0}
